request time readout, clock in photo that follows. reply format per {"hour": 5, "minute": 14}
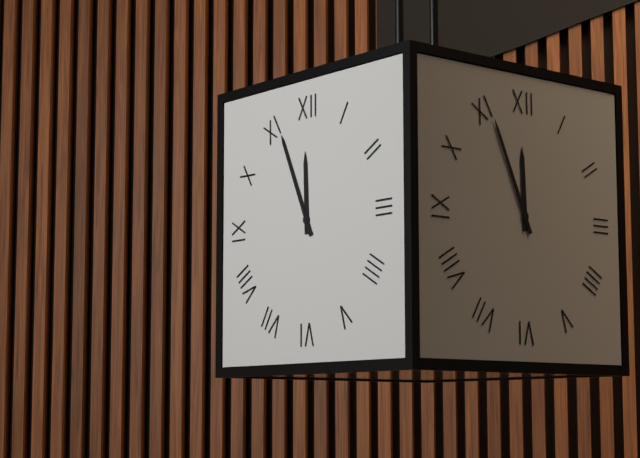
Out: {"hour": 11, "minute": 56}
